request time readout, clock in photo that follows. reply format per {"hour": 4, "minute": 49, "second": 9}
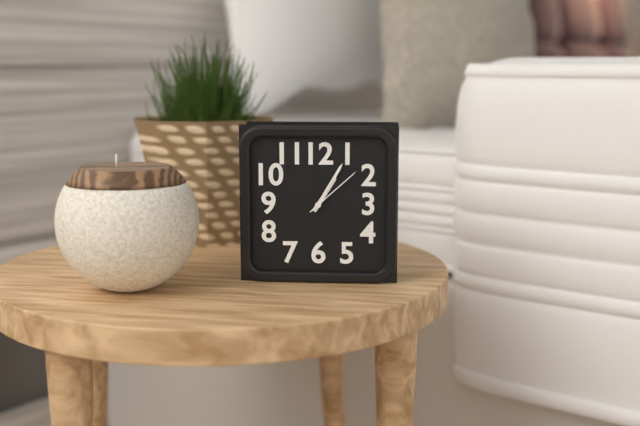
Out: {"hour": 1, "minute": 5, "second": 8}
